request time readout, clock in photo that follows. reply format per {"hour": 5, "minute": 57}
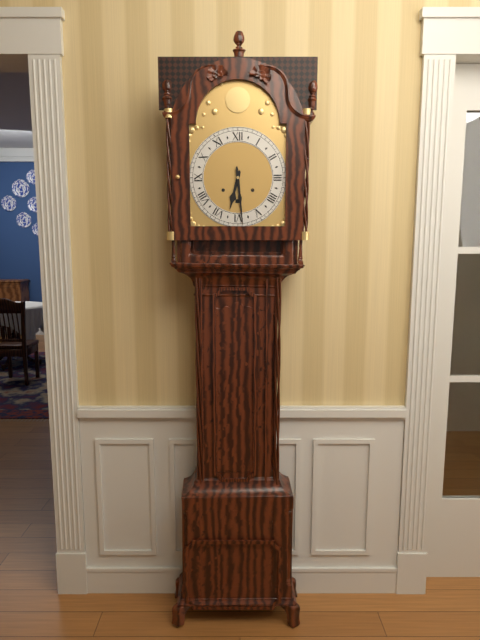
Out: {"hour": 6, "minute": 29}
